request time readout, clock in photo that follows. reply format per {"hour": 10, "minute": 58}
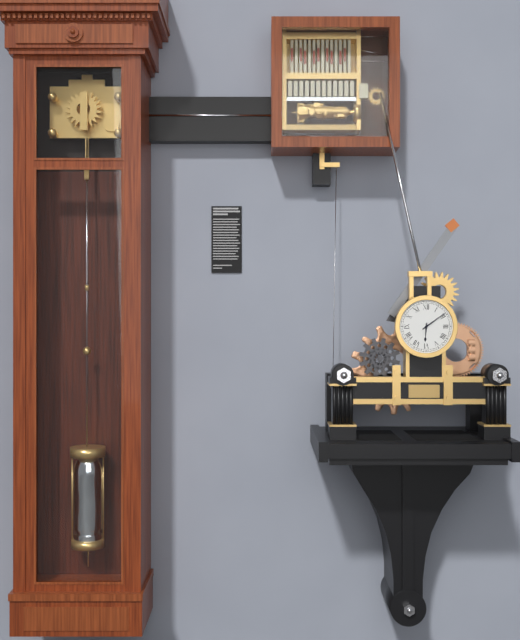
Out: {"hour": 6, "minute": 9}
